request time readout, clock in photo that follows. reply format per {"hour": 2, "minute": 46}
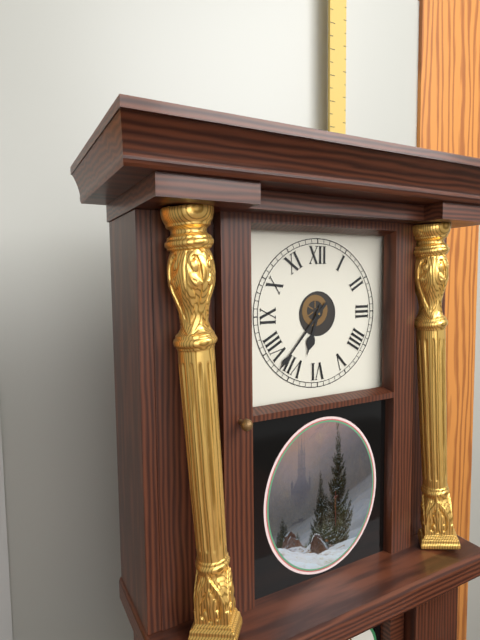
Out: {"hour": 6, "minute": 37}
